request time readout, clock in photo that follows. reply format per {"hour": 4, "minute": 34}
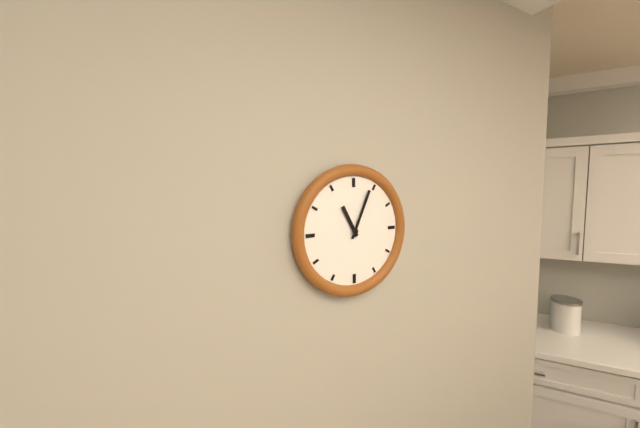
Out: {"hour": 11, "minute": 4}
